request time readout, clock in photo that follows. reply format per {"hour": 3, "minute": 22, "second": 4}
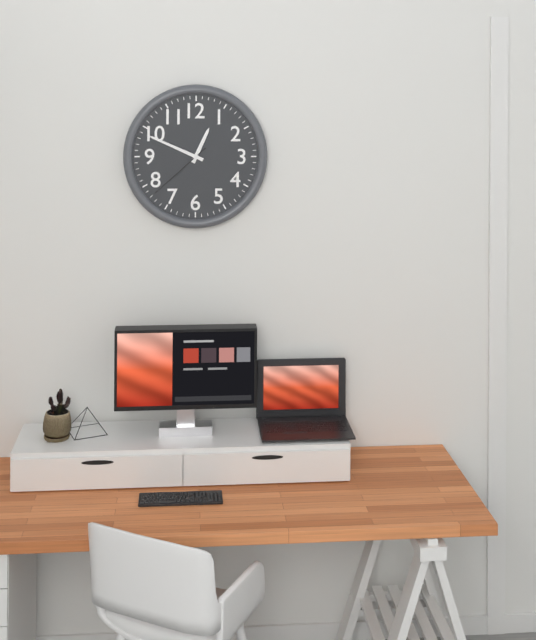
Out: {"hour": 12, "minute": 49, "second": 38}
